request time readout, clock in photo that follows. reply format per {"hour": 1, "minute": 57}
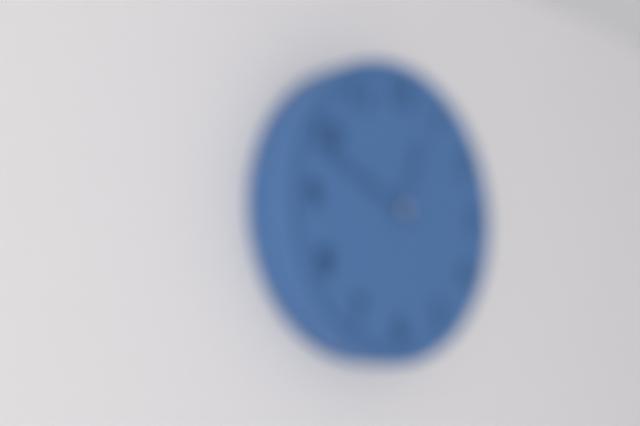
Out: {"hour": 12, "minute": 49}
